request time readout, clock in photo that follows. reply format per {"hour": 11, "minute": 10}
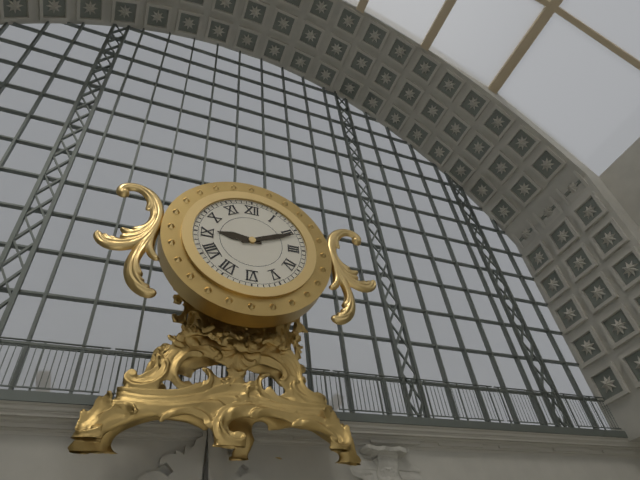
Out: {"hour": 9, "minute": 11}
